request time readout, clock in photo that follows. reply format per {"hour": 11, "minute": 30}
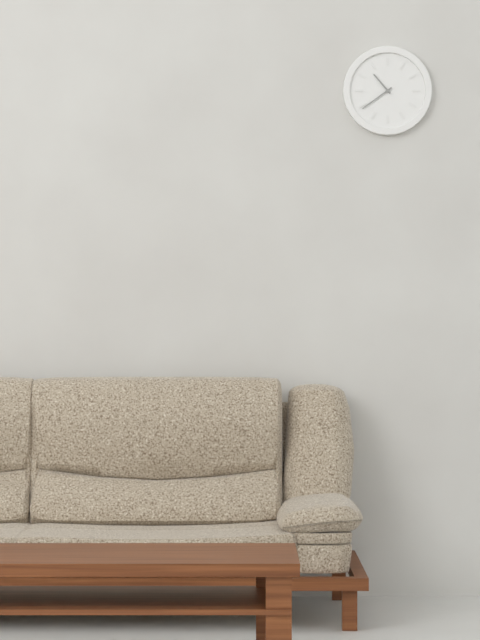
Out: {"hour": 10, "minute": 39}
